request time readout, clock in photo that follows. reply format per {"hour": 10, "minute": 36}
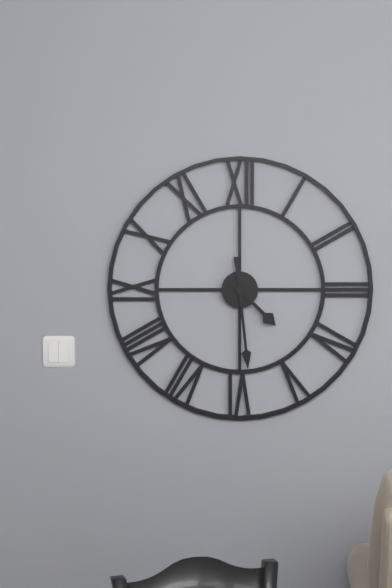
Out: {"hour": 4, "minute": 29}
